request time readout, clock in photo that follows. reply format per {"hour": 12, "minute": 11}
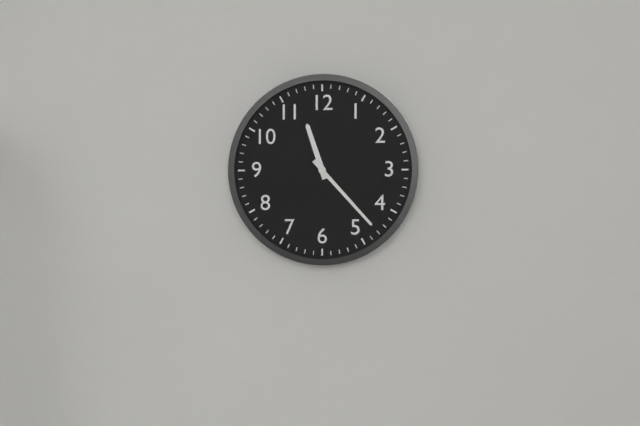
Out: {"hour": 11, "minute": 23}
